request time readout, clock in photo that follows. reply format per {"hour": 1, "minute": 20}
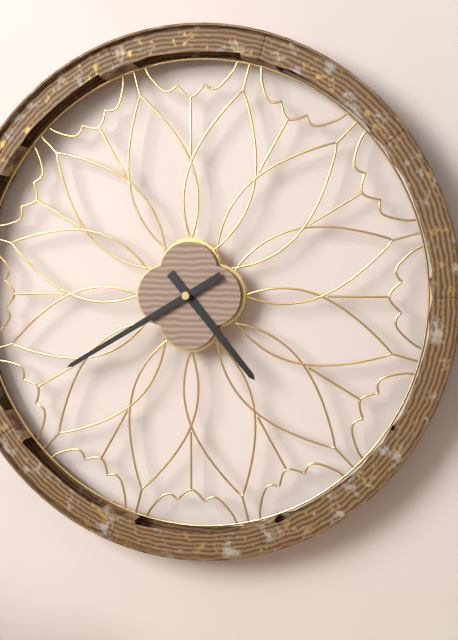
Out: {"hour": 4, "minute": 40}
